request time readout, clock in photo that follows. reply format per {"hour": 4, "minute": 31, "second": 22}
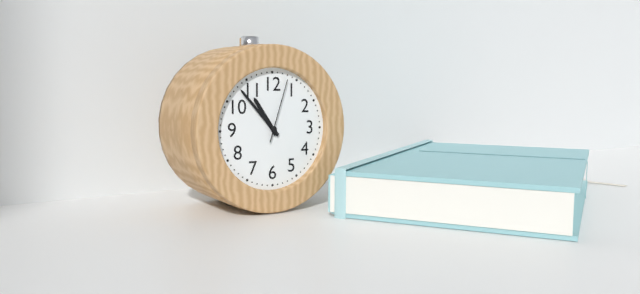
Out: {"hour": 10, "minute": 53, "second": 3}
